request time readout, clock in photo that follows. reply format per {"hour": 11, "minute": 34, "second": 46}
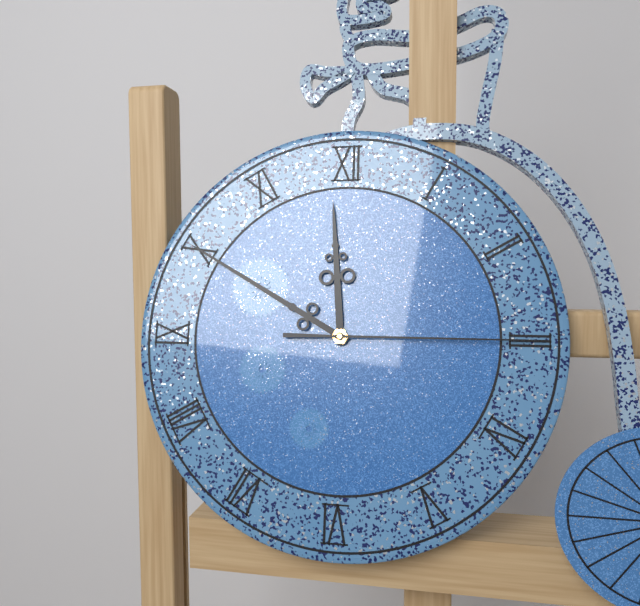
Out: {"hour": 11, "minute": 50, "second": 15}
